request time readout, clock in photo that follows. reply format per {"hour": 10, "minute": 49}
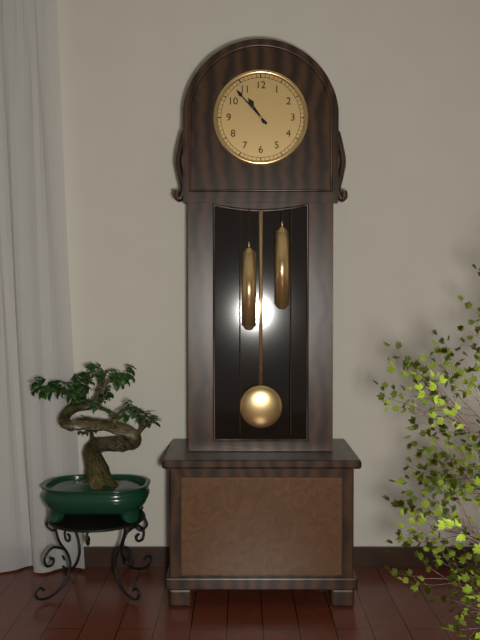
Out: {"hour": 10, "minute": 53}
